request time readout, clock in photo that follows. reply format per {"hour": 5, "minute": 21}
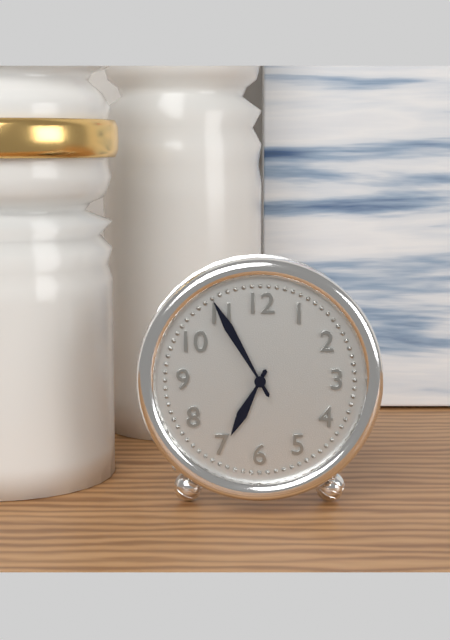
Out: {"hour": 6, "minute": 55}
